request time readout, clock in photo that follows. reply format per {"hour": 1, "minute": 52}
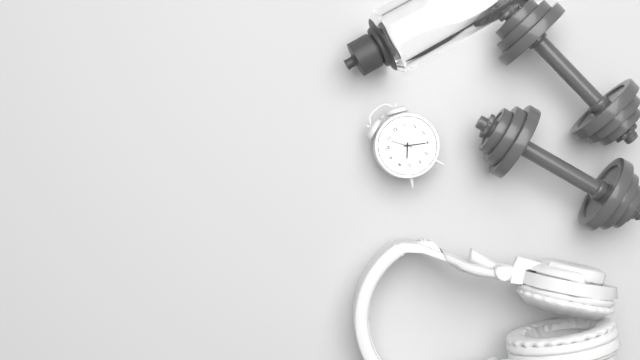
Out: {"hour": 7, "minute": 20}
